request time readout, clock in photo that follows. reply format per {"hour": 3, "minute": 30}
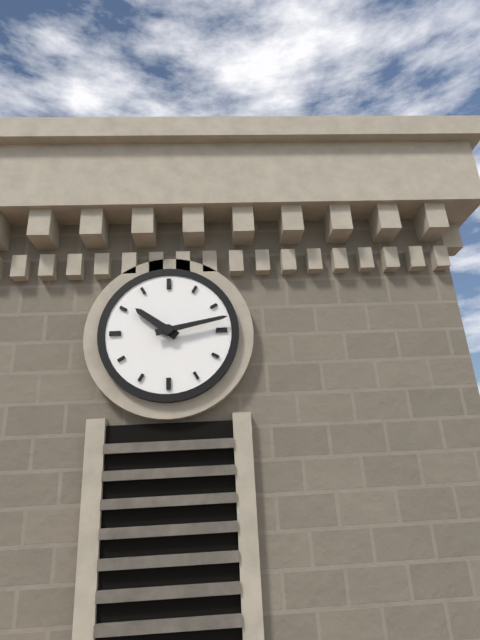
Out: {"hour": 10, "minute": 13}
